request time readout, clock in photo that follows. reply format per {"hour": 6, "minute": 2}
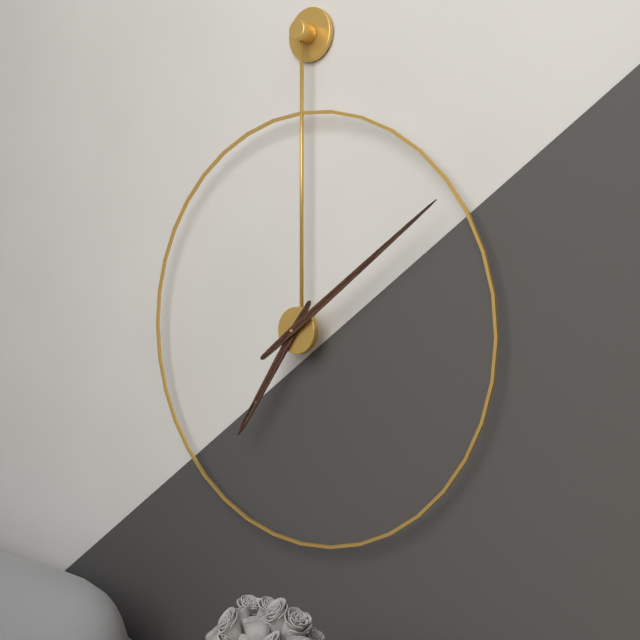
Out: {"hour": 7, "minute": 9}
